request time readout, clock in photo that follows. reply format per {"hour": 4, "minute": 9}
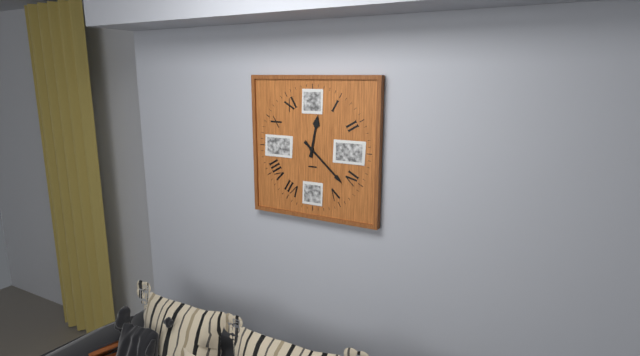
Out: {"hour": 12, "minute": 22}
